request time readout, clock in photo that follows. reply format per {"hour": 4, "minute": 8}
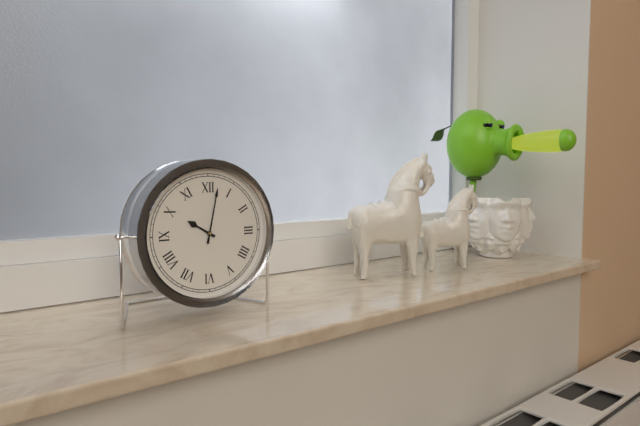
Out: {"hour": 10, "minute": 2}
